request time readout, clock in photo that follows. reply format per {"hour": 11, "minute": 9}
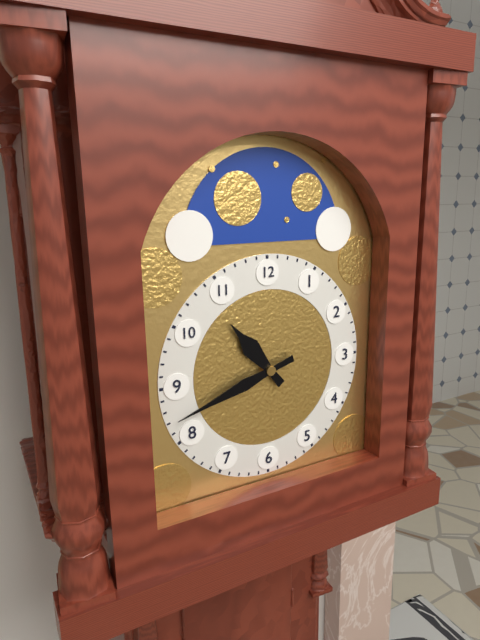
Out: {"hour": 10, "minute": 42}
